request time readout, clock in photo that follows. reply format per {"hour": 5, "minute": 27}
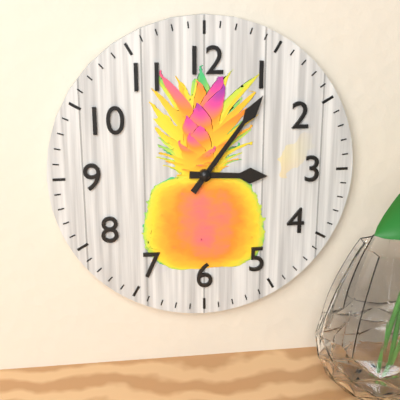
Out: {"hour": 3, "minute": 6}
